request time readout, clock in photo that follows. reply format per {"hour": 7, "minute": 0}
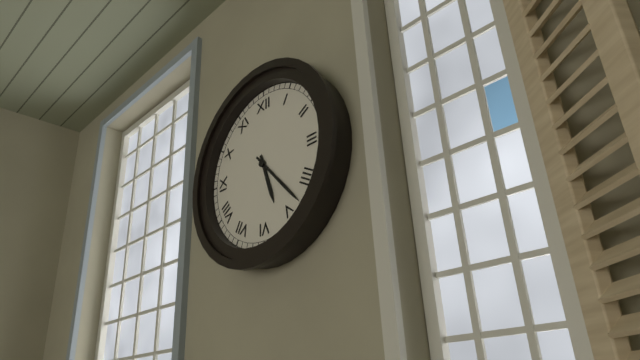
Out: {"hour": 5, "minute": 23}
